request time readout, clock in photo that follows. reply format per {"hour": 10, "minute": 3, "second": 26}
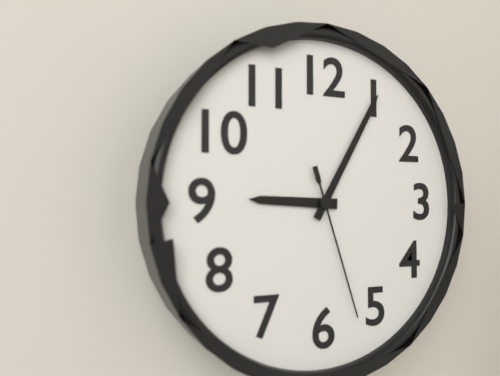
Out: {"hour": 9, "minute": 5, "second": 27}
